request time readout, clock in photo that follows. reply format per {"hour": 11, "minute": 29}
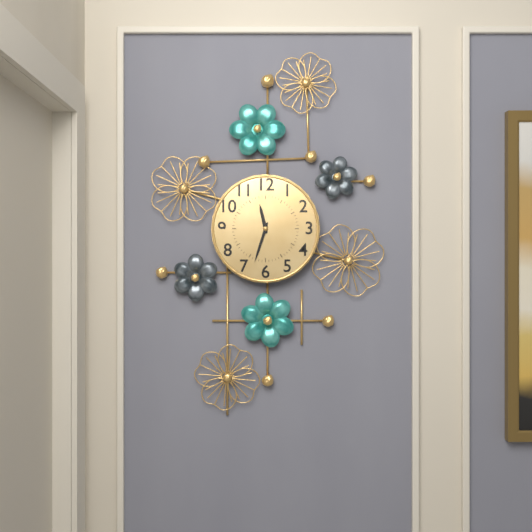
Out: {"hour": 11, "minute": 33}
